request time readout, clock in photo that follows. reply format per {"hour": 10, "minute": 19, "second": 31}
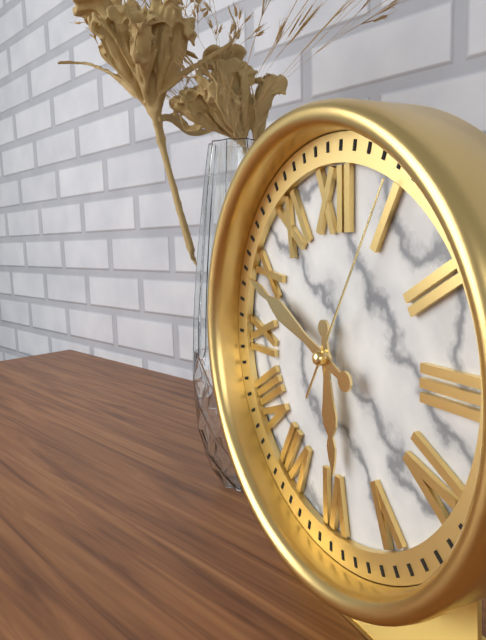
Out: {"hour": 5, "minute": 49, "second": 5}
